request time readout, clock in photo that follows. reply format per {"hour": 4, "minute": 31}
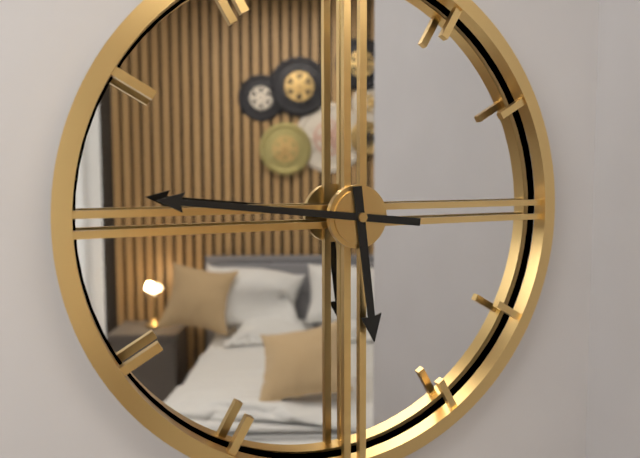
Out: {"hour": 5, "minute": 46}
